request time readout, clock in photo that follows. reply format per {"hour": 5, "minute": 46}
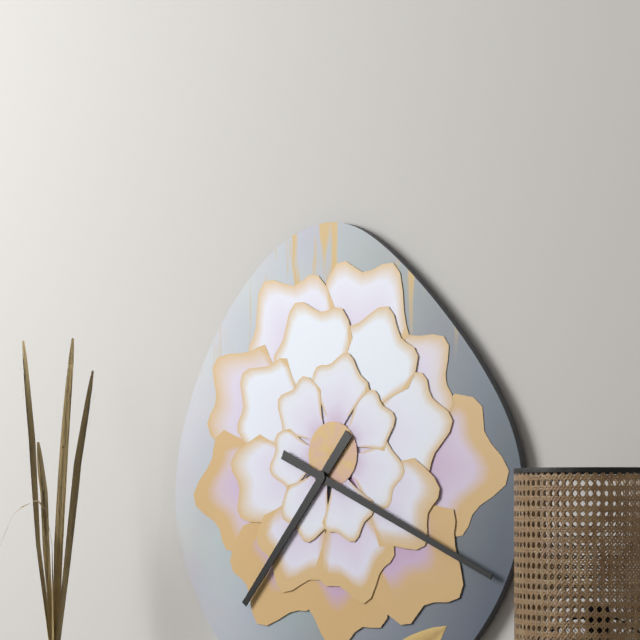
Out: {"hour": 7, "minute": 19}
